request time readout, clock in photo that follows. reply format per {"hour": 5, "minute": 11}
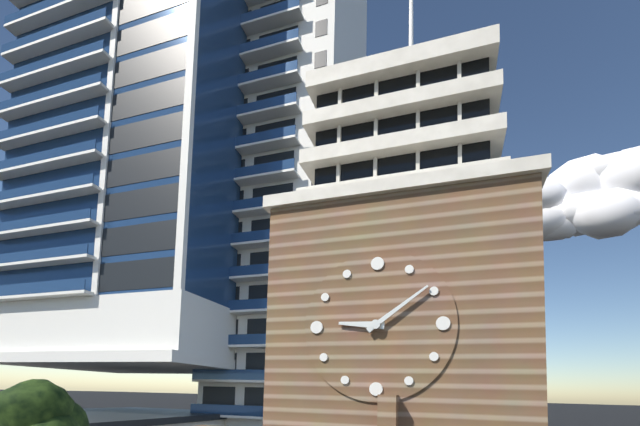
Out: {"hour": 9, "minute": 9}
